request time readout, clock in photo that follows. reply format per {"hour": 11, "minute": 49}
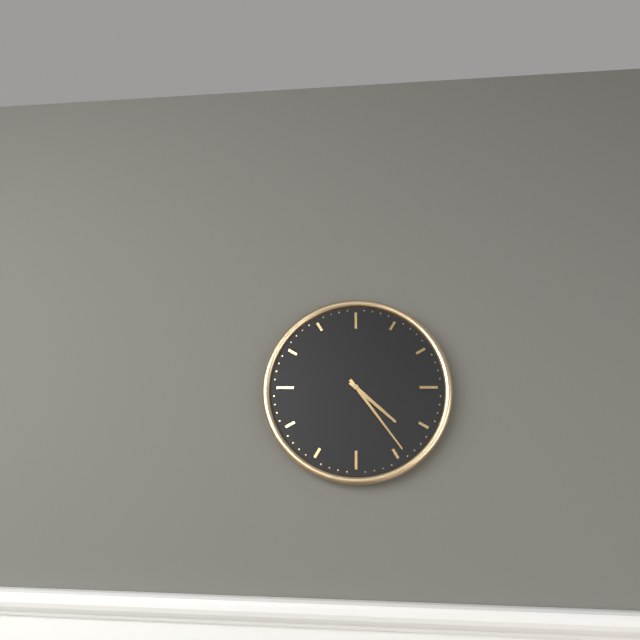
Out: {"hour": 4, "minute": 24}
